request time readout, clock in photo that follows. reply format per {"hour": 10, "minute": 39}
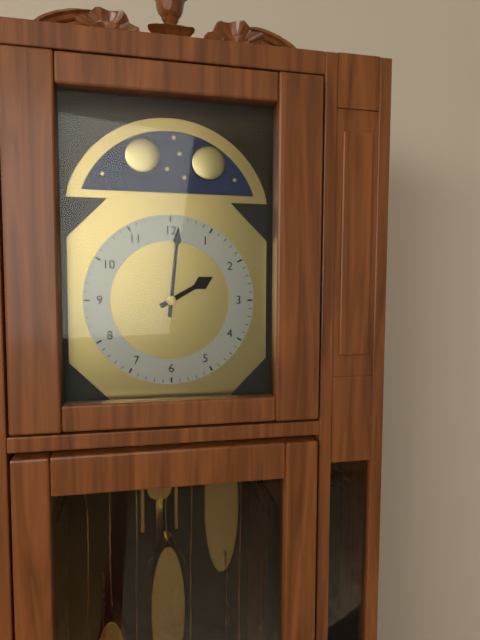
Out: {"hour": 2, "minute": 1}
